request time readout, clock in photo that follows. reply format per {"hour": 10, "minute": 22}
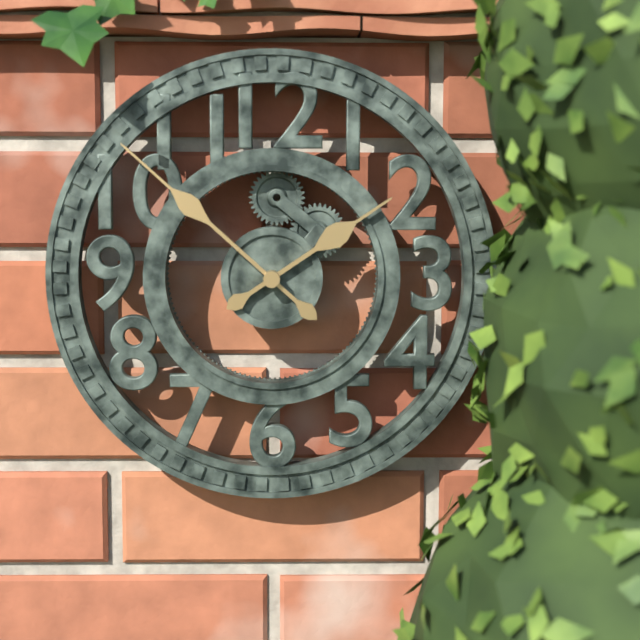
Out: {"hour": 1, "minute": 52}
